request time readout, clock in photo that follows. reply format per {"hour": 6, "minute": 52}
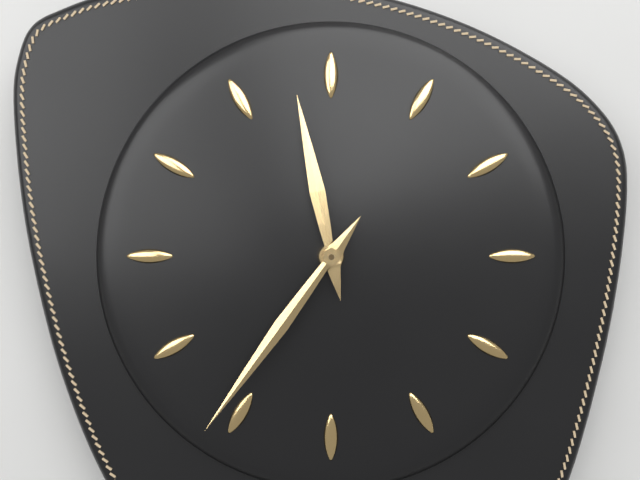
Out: {"hour": 11, "minute": 36}
